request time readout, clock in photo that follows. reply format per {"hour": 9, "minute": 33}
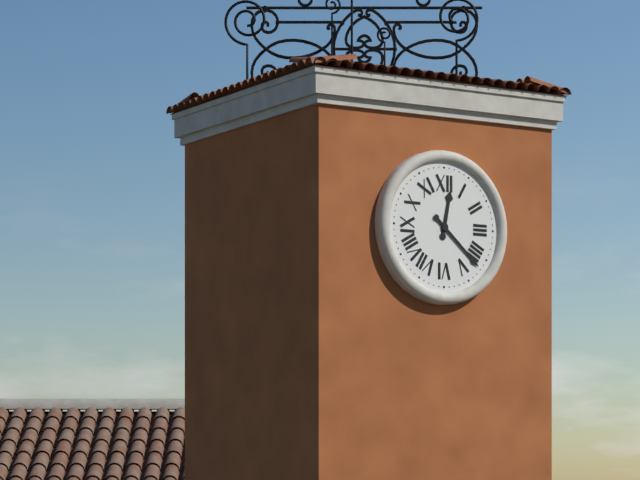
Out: {"hour": 12, "minute": 22}
